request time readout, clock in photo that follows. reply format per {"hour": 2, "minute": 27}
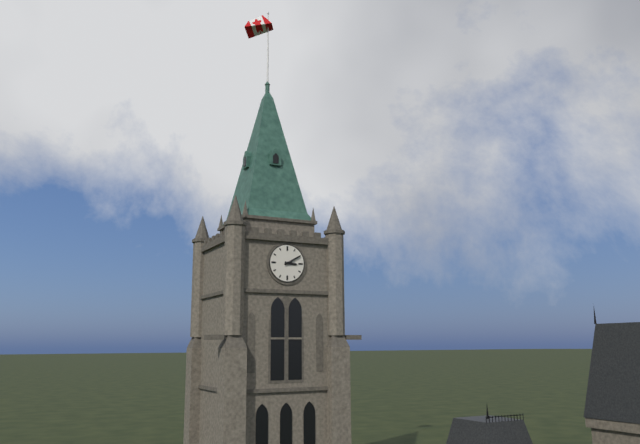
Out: {"hour": 3, "minute": 10}
